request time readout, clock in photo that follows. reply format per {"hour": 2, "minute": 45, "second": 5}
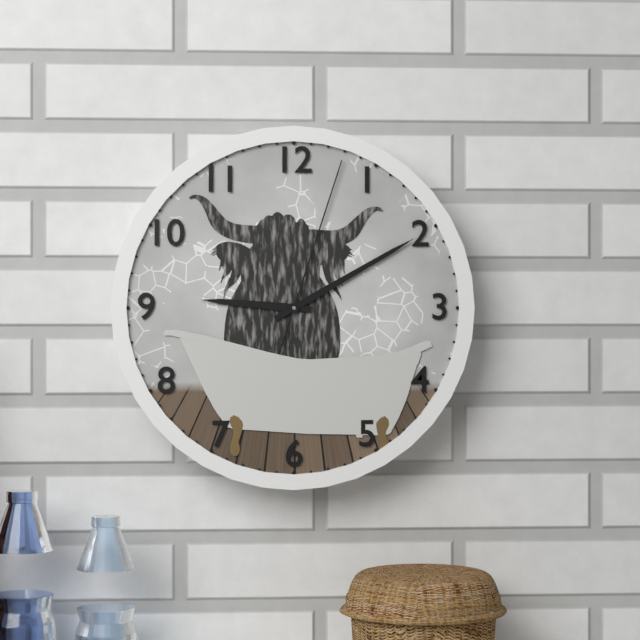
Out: {"hour": 9, "minute": 10, "second": 3}
